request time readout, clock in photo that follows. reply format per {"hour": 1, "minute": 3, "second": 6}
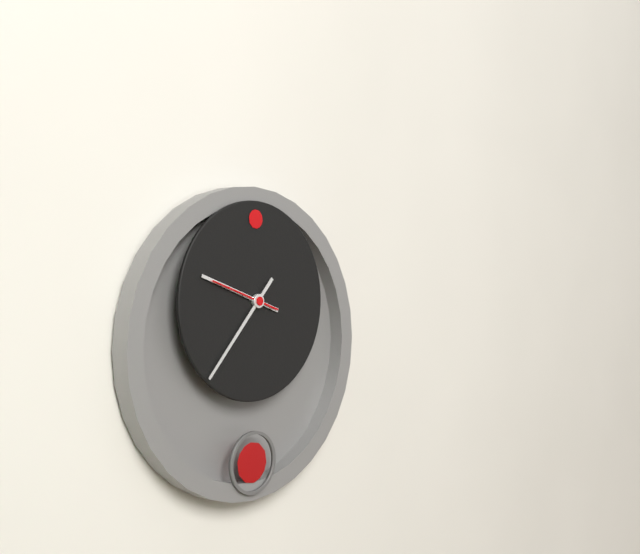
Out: {"hour": 9, "minute": 37, "second": 48}
